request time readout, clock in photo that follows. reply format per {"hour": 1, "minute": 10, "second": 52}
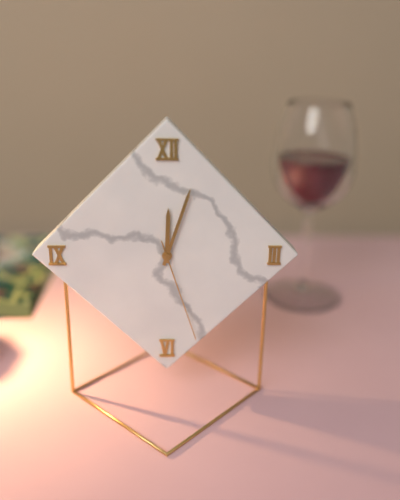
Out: {"hour": 12, "minute": 3, "second": 27}
